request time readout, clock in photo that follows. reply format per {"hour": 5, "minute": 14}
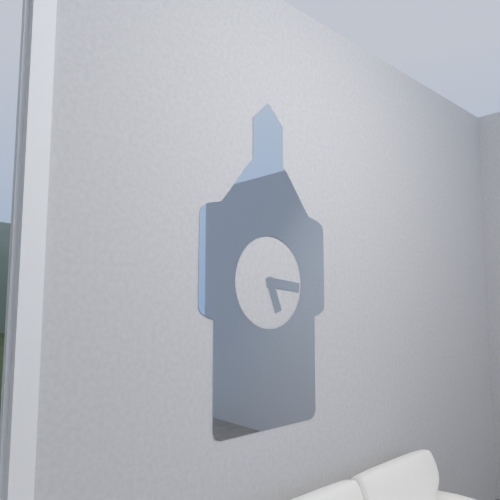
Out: {"hour": 5, "minute": 16}
